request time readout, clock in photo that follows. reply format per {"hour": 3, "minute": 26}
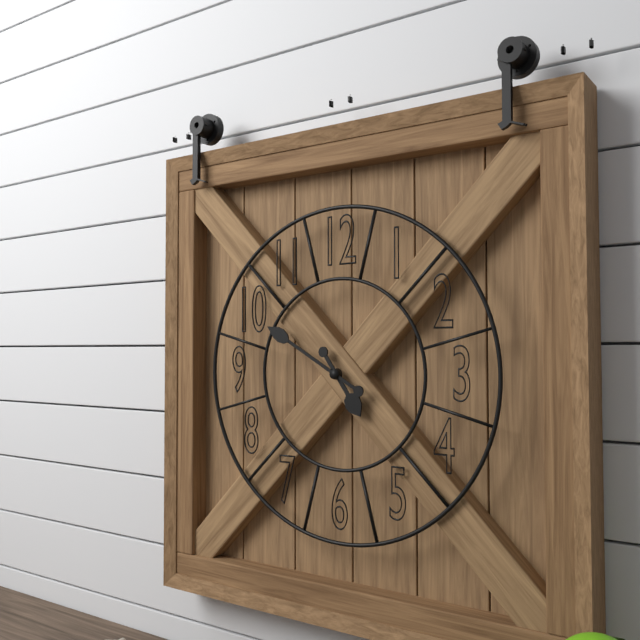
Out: {"hour": 4, "minute": 50}
